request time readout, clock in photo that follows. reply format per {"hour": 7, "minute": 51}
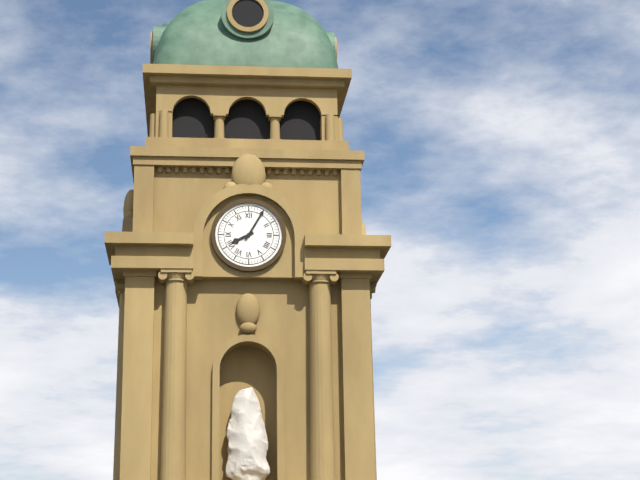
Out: {"hour": 8, "minute": 5}
